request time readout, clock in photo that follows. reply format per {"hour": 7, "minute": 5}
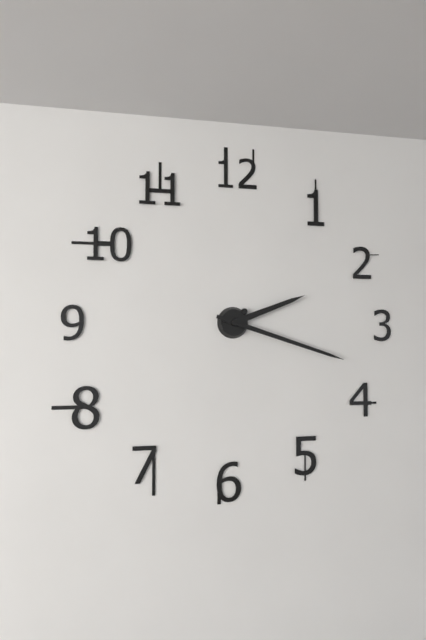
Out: {"hour": 2, "minute": 18}
